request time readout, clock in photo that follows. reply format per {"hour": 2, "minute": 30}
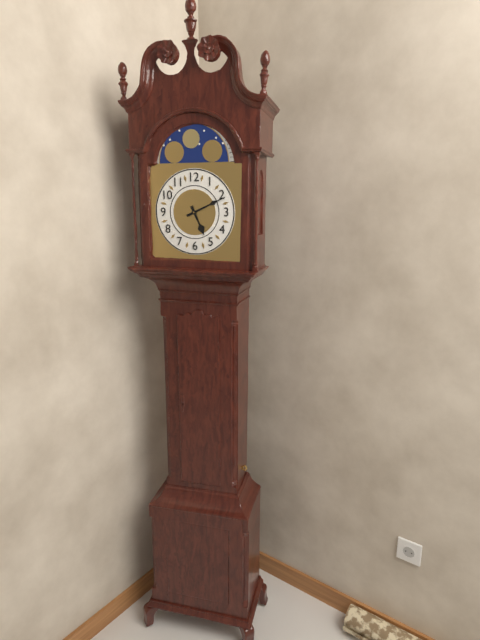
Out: {"hour": 5, "minute": 11}
